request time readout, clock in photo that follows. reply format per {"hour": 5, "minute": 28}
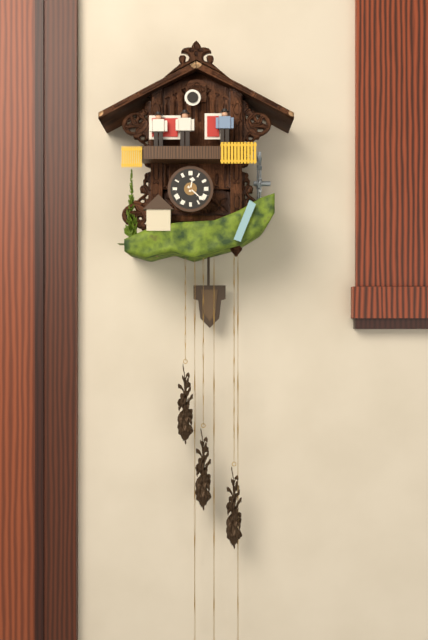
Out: {"hour": 12, "minute": 22}
